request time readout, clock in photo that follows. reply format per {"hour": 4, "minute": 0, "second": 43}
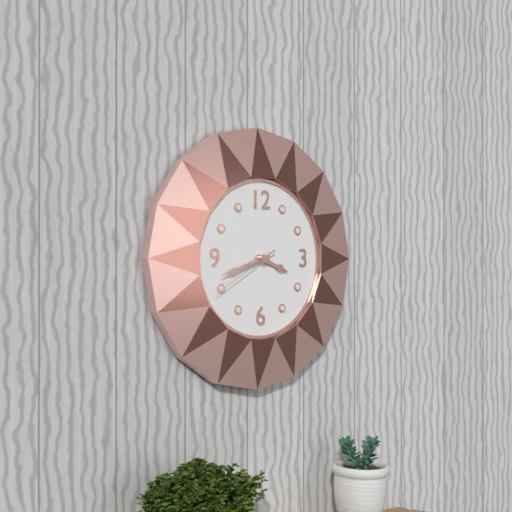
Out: {"hour": 3, "minute": 42, "second": 40}
